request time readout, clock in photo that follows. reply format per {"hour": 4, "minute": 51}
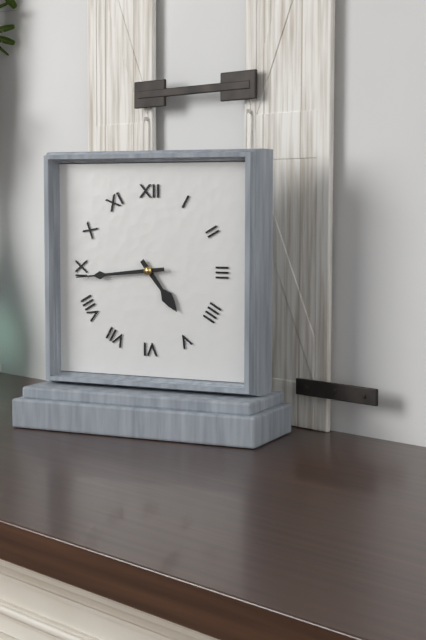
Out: {"hour": 4, "minute": 44}
